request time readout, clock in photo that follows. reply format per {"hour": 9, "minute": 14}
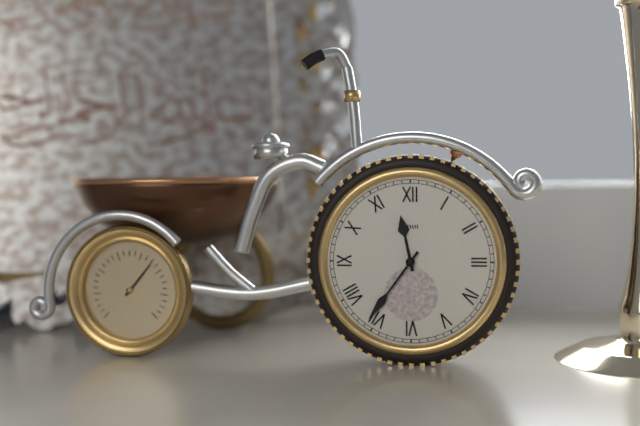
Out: {"hour": 11, "minute": 36}
